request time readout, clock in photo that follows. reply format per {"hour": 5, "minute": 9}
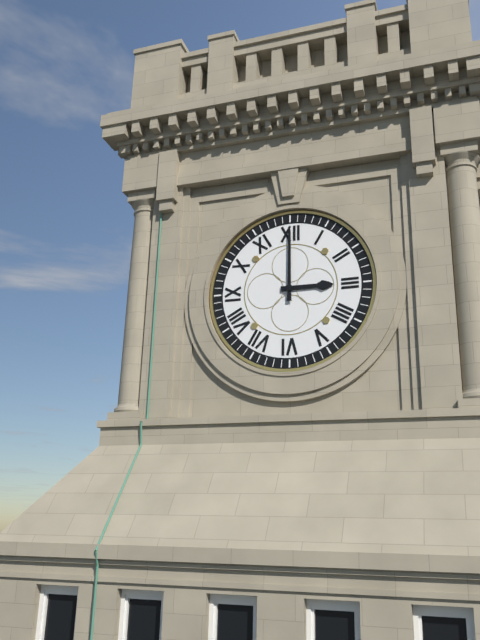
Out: {"hour": 3, "minute": 0}
